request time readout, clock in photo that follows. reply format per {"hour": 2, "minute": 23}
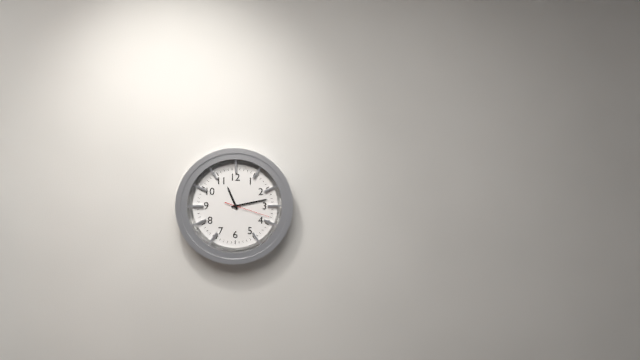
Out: {"hour": 11, "minute": 13}
